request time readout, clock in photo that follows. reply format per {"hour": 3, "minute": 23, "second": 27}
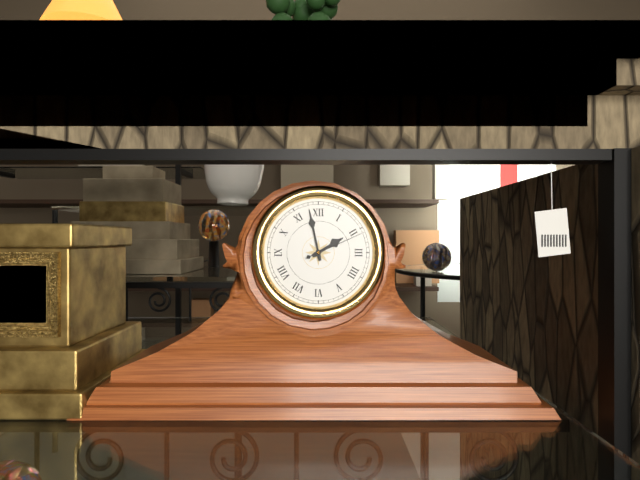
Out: {"hour": 1, "minute": 58, "second": 11}
